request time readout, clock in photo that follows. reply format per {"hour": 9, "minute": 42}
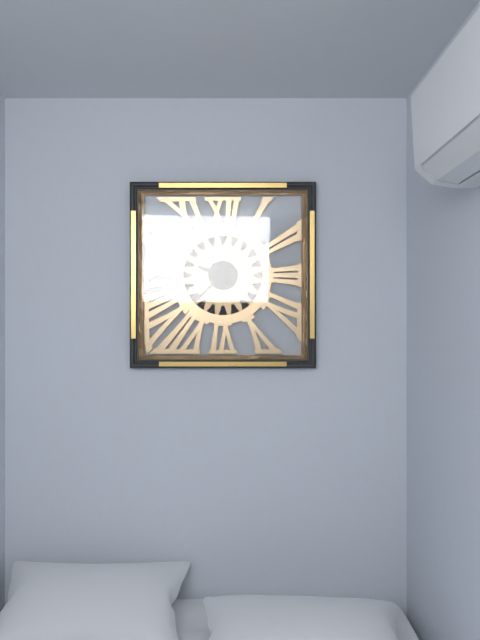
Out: {"hour": 9, "minute": 38}
